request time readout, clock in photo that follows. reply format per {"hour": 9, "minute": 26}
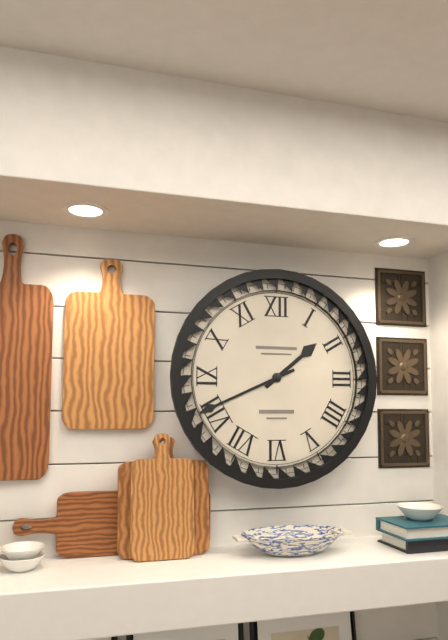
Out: {"hour": 1, "minute": 41}
